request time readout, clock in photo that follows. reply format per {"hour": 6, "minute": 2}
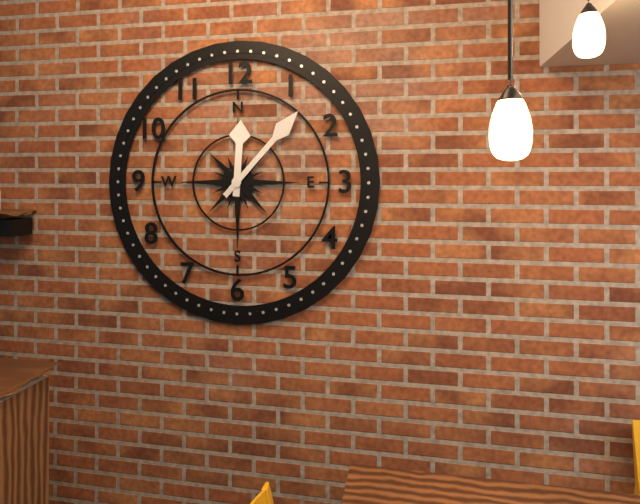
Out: {"hour": 12, "minute": 7}
